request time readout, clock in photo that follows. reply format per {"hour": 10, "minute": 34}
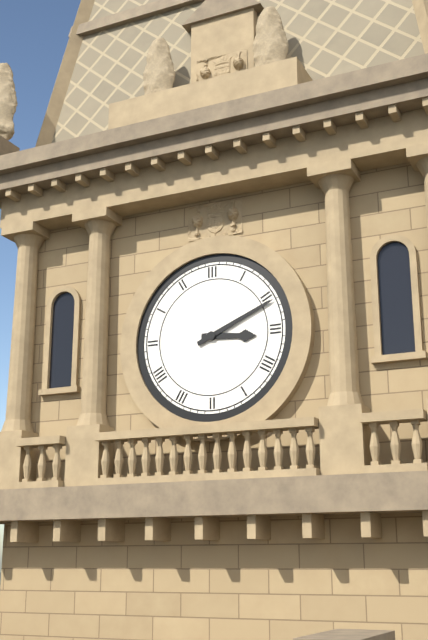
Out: {"hour": 3, "minute": 11}
